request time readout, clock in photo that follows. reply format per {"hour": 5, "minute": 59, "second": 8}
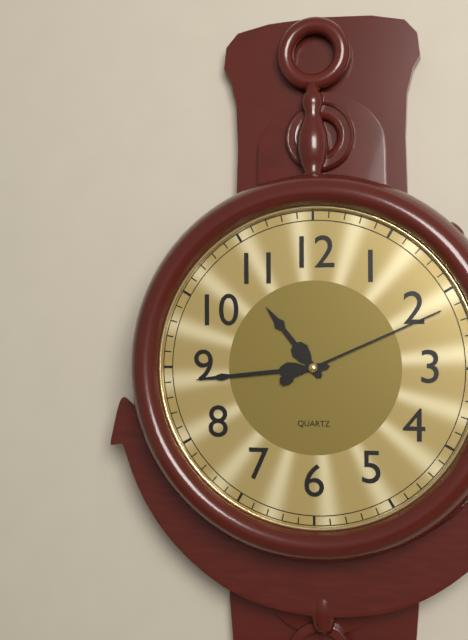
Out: {"hour": 10, "minute": 44, "second": 11}
